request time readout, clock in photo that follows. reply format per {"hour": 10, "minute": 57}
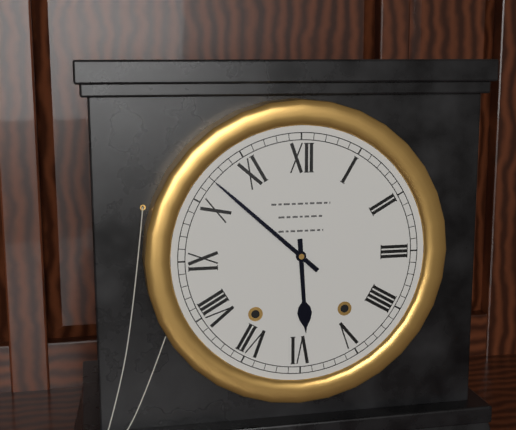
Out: {"hour": 5, "minute": 52}
